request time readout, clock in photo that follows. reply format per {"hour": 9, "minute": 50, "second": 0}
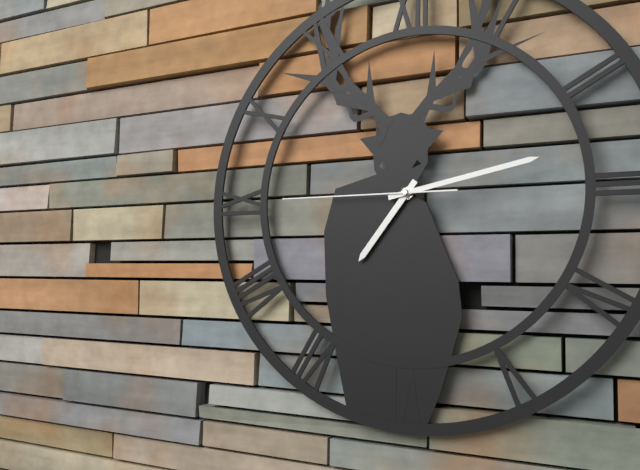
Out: {"hour": 7, "minute": 13, "second": 45}
